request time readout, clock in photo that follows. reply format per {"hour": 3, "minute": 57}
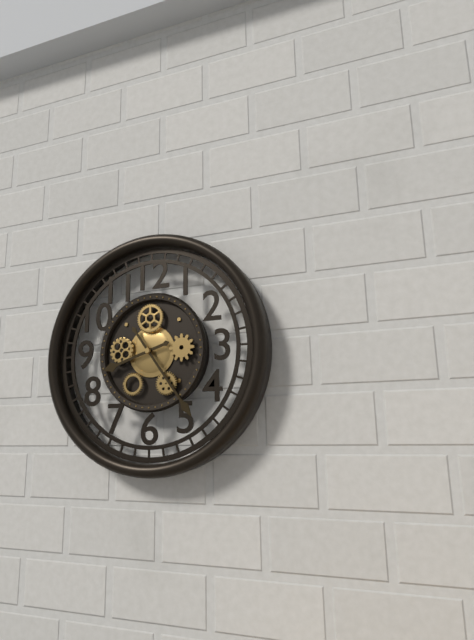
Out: {"hour": 8, "minute": 24}
